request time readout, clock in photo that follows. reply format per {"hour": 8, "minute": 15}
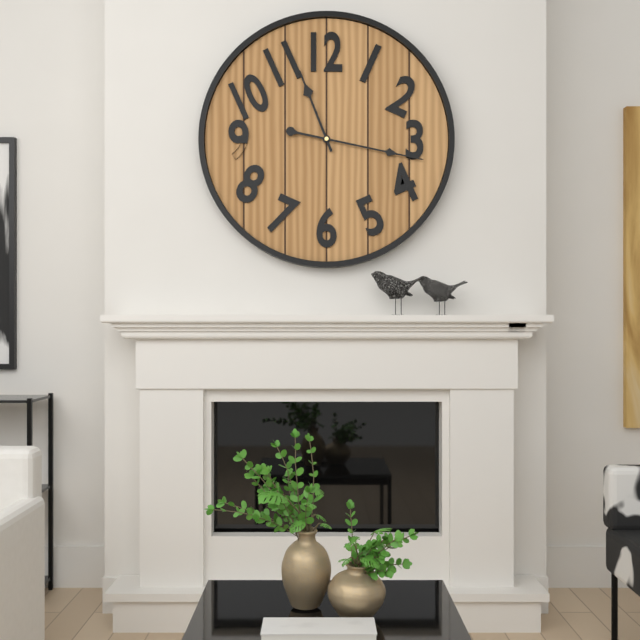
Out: {"hour": 11, "minute": 17}
